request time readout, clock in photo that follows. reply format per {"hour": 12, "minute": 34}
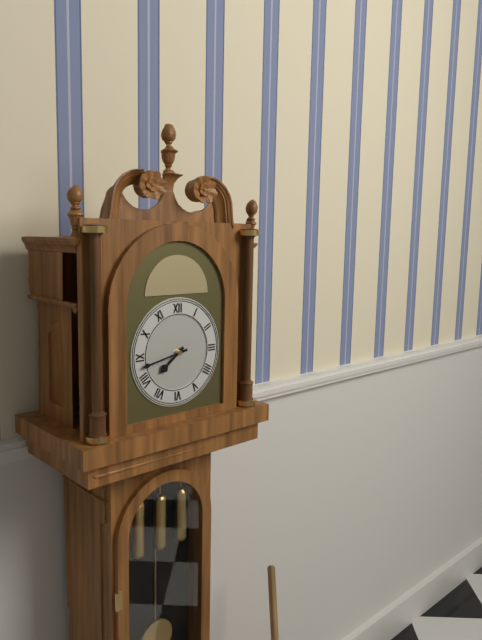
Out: {"hour": 7, "minute": 43}
